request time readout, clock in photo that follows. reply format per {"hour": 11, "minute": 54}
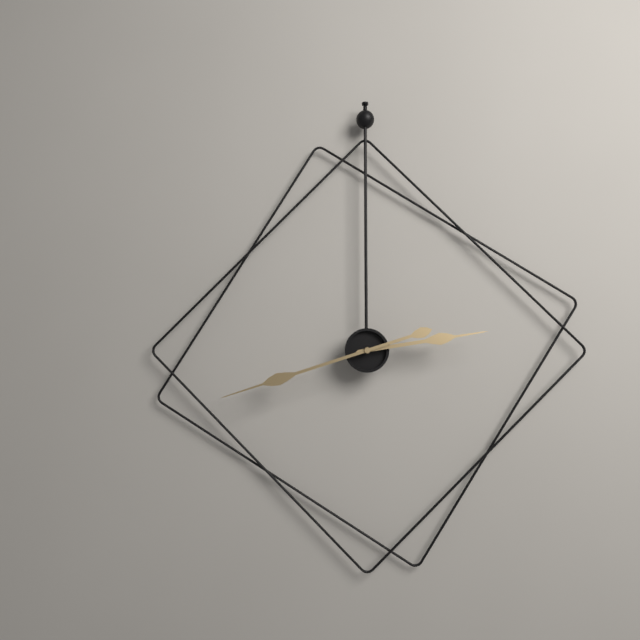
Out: {"hour": 2, "minute": 42}
